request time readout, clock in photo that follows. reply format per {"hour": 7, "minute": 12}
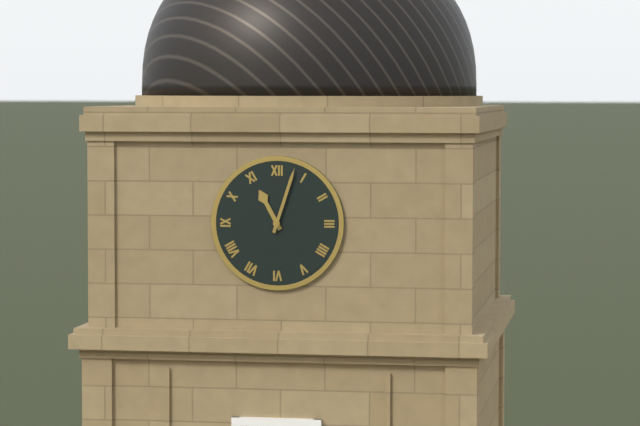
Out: {"hour": 11, "minute": 3}
